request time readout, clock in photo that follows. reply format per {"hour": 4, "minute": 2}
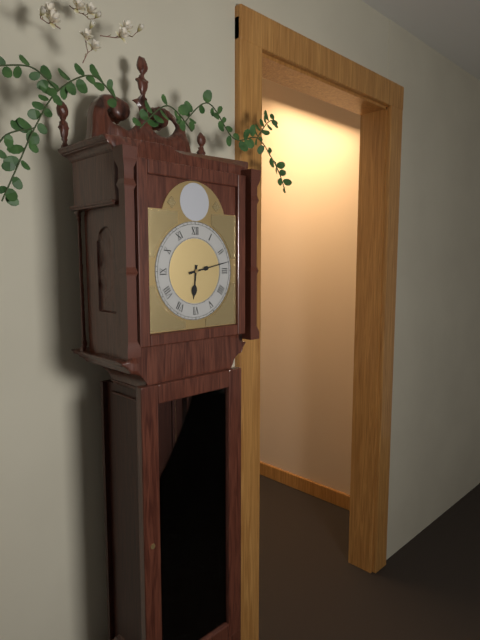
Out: {"hour": 6, "minute": 13}
